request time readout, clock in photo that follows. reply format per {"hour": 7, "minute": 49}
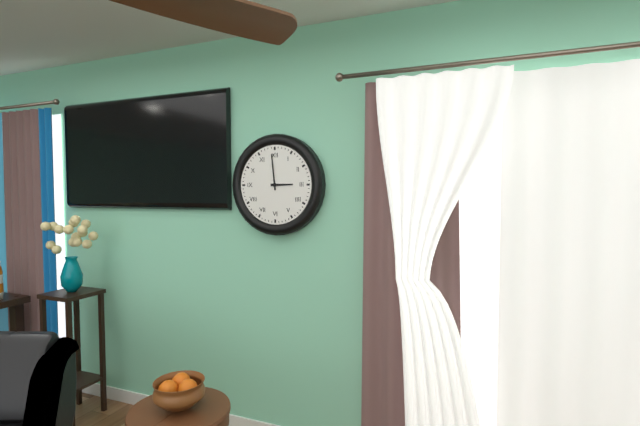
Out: {"hour": 2, "minute": 59}
